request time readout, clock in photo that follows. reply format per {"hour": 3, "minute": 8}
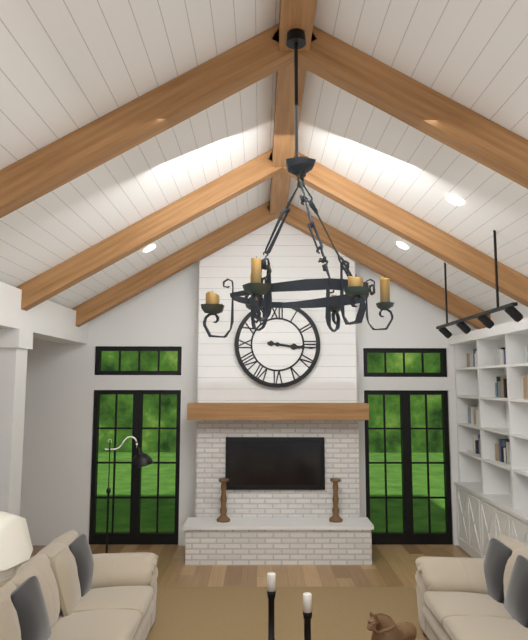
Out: {"hour": 3, "minute": 16}
